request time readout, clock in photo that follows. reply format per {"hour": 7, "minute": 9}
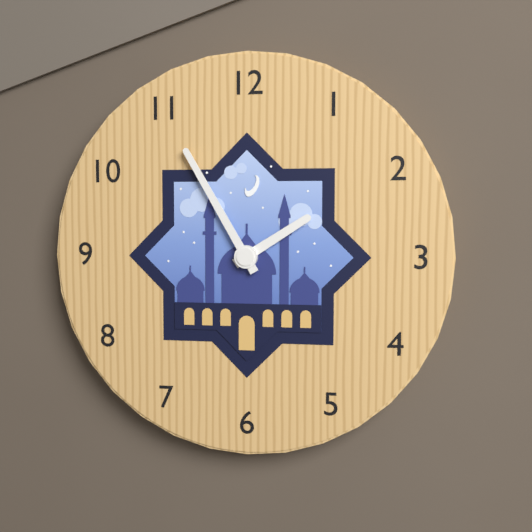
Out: {"hour": 1, "minute": 55}
